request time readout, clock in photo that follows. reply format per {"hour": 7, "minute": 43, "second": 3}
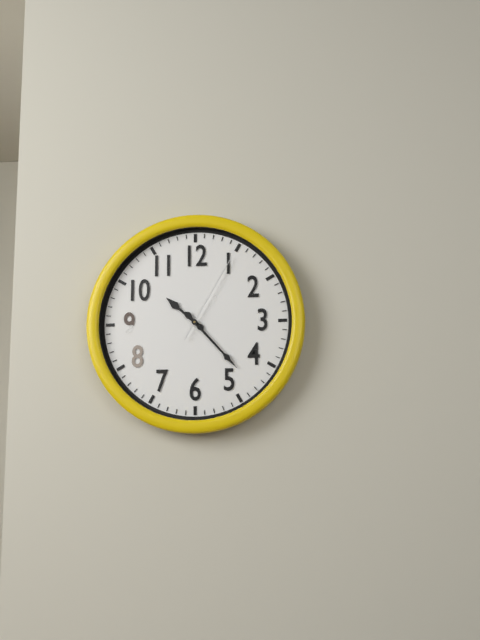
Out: {"hour": 10, "minute": 23, "second": 5}
